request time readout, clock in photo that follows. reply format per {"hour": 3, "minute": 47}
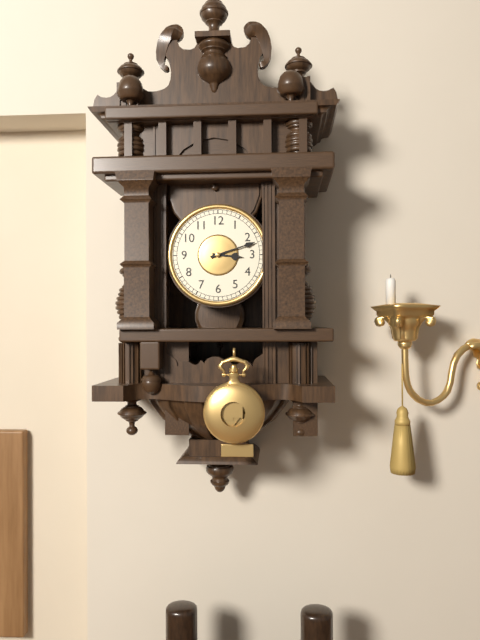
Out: {"hour": 3, "minute": 12}
